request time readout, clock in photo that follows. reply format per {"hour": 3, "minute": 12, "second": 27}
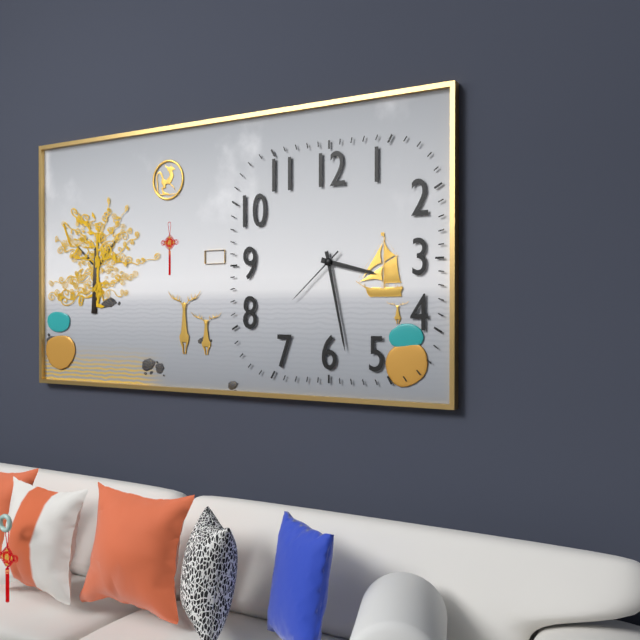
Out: {"hour": 3, "minute": 28, "second": 38}
